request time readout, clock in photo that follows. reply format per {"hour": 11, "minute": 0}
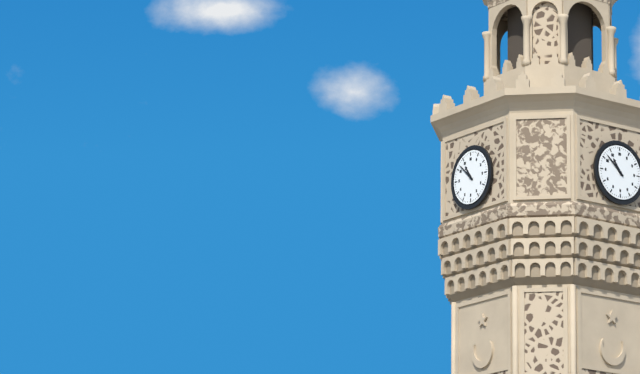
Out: {"hour": 10, "minute": 52}
